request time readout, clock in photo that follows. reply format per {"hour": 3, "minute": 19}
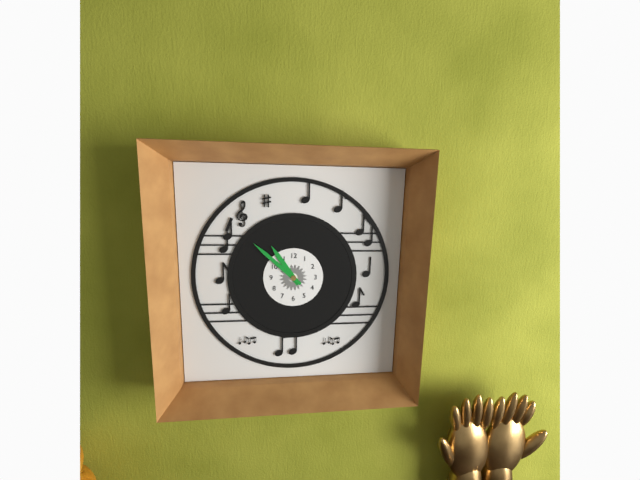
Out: {"hour": 10, "minute": 52}
